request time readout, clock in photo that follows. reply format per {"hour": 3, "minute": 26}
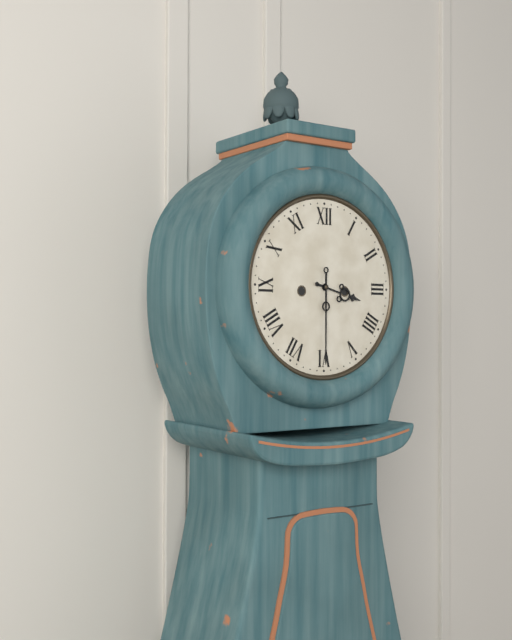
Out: {"hour": 3, "minute": 30}
